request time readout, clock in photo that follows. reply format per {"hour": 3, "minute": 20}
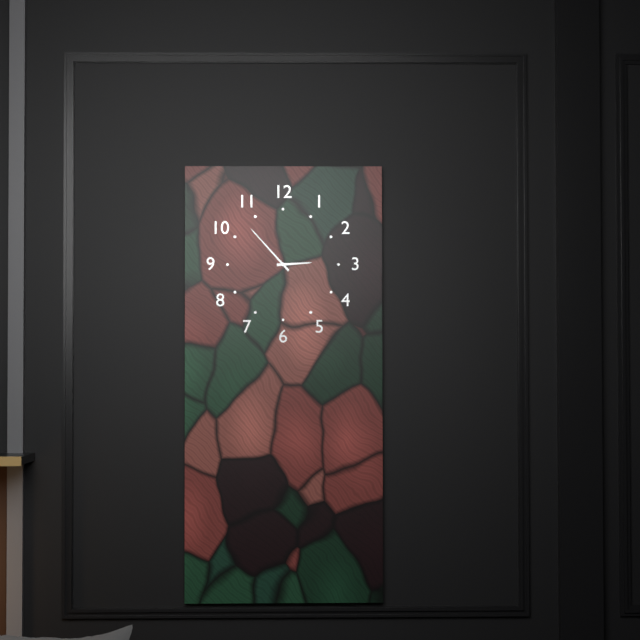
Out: {"hour": 2, "minute": 53}
